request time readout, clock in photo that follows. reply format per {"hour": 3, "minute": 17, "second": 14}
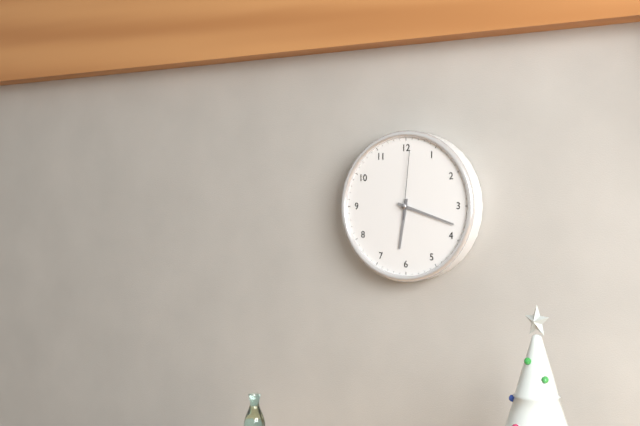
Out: {"hour": 6, "minute": 18, "second": 1}
